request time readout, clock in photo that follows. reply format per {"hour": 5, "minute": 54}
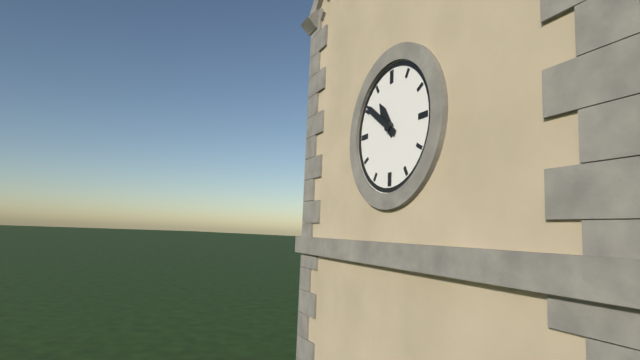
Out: {"hour": 10, "minute": 51}
